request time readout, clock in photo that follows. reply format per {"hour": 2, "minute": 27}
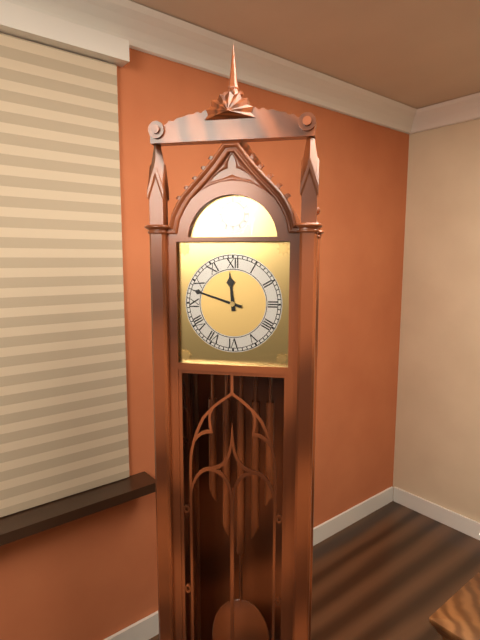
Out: {"hour": 11, "minute": 48}
